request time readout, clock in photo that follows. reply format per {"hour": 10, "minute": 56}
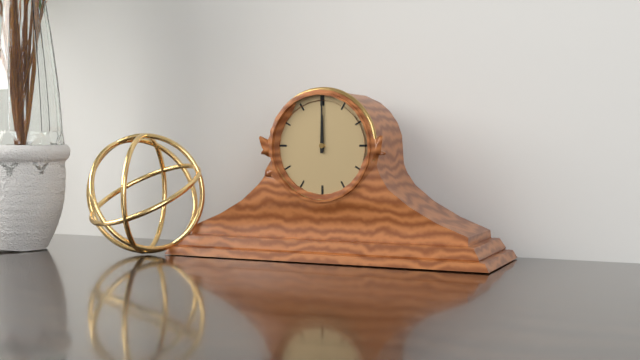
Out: {"hour": 12, "minute": 0}
